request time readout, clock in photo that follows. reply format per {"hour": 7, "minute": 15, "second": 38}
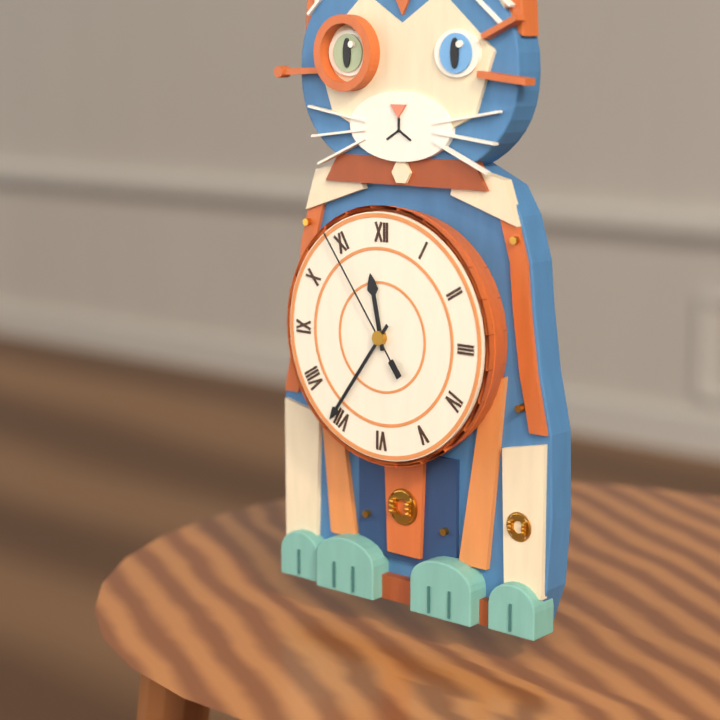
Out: {"hour": 11, "minute": 36, "second": 54}
